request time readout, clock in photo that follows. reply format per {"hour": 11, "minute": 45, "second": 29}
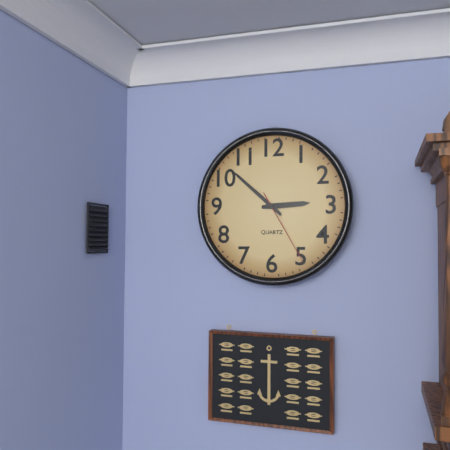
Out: {"hour": 2, "minute": 52, "second": 25}
